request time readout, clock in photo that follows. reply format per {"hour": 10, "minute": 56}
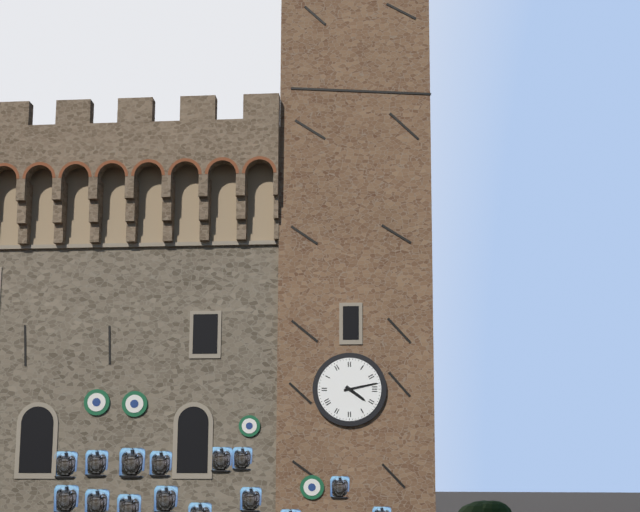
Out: {"hour": 4, "minute": 13}
